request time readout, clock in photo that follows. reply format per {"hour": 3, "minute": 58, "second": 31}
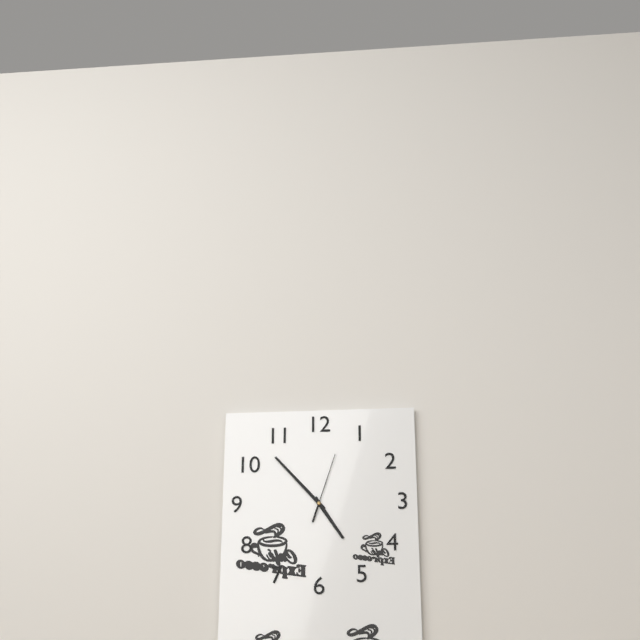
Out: {"hour": 4, "minute": 53, "second": 3}
